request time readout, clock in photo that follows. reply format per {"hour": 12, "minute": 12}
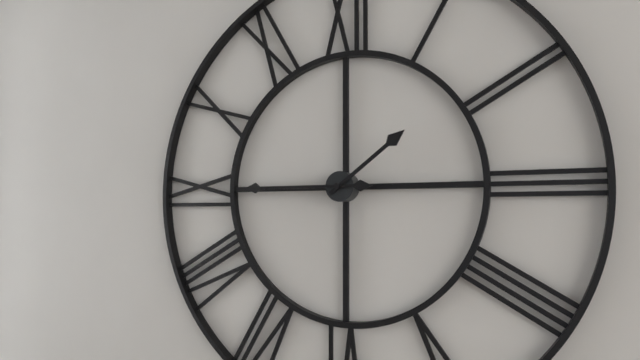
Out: {"hour": 1, "minute": 45}
